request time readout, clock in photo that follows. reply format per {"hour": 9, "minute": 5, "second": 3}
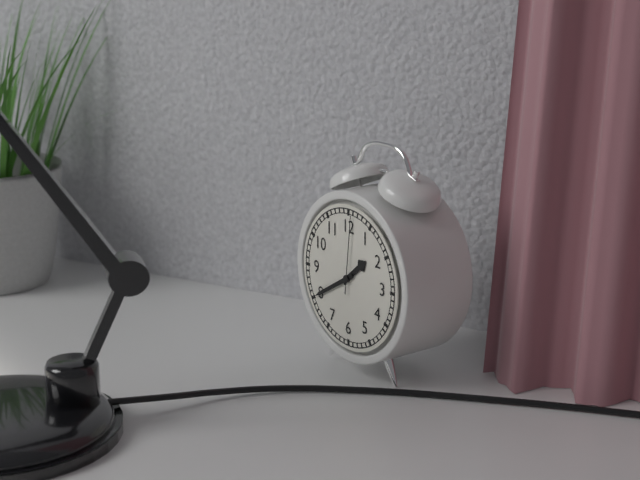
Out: {"hour": 1, "minute": 40, "second": 1}
